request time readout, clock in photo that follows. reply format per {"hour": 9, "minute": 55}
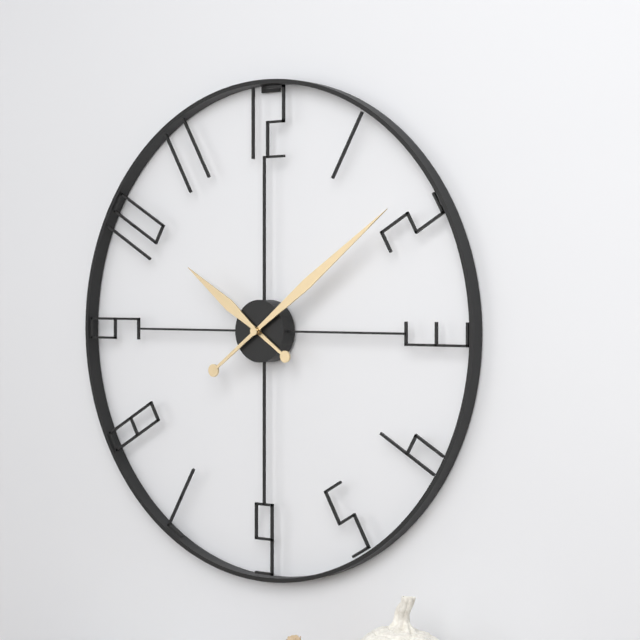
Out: {"hour": 10, "minute": 9}
